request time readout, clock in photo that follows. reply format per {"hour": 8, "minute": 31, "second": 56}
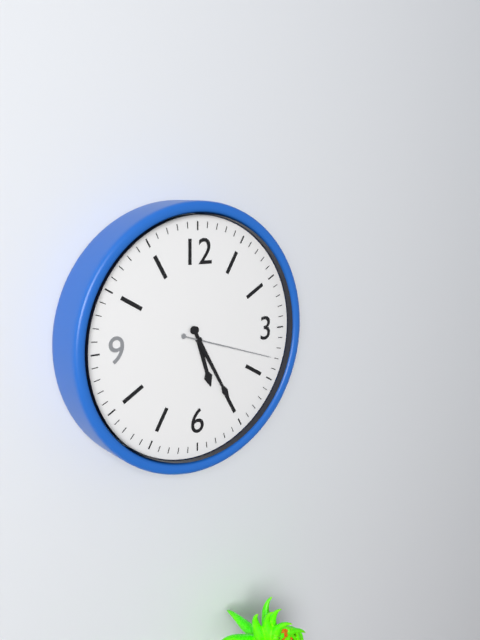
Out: {"hour": 5, "minute": 25, "second": 18}
